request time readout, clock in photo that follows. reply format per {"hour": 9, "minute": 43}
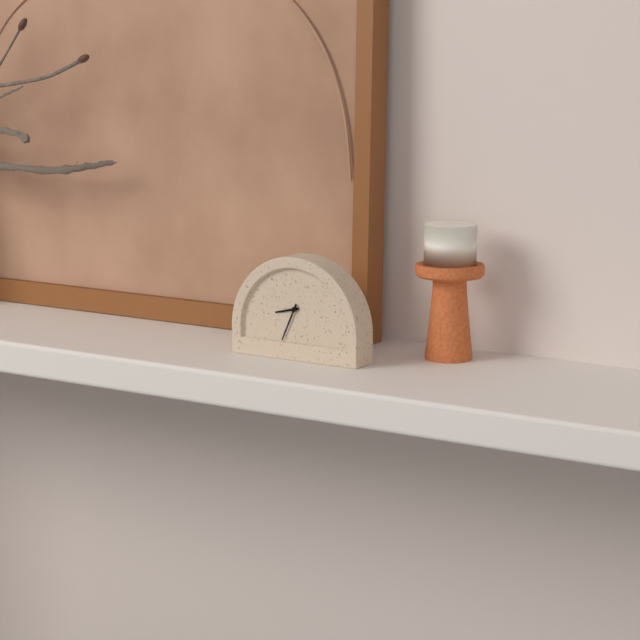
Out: {"hour": 8, "minute": 34}
